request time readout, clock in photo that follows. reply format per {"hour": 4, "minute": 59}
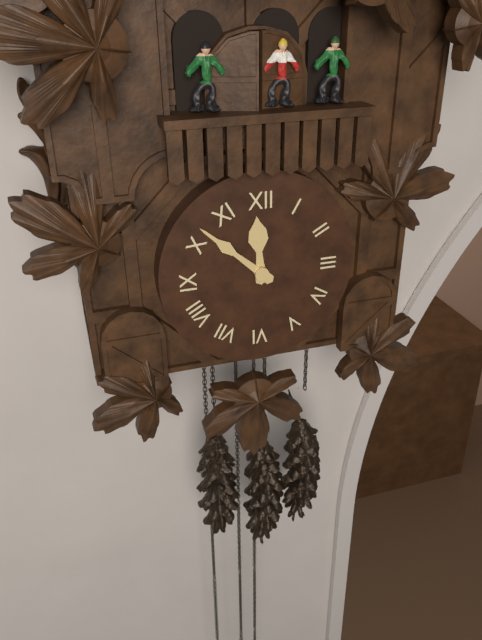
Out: {"hour": 11, "minute": 52}
